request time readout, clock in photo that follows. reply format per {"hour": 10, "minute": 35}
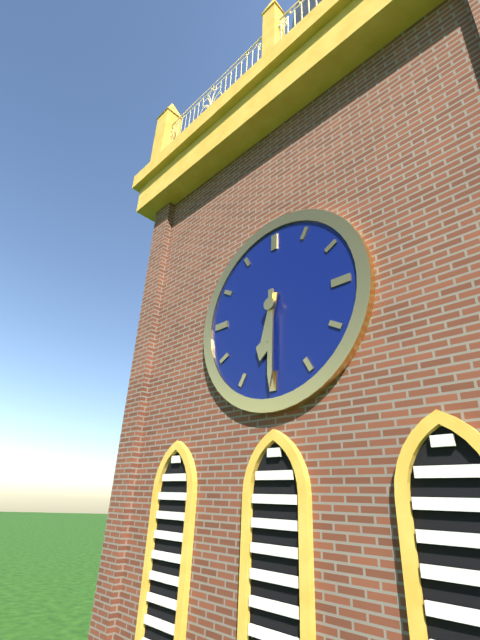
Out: {"hour": 6, "minute": 30}
